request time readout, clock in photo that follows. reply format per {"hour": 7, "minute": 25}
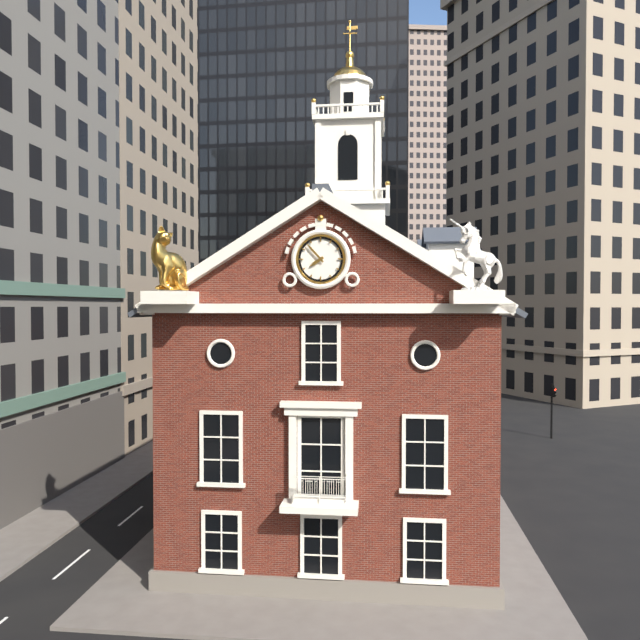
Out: {"hour": 7, "minute": 53}
